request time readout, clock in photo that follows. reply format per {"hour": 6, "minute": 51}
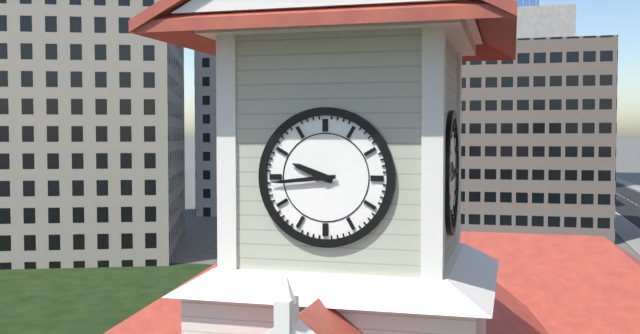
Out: {"hour": 9, "minute": 44}
